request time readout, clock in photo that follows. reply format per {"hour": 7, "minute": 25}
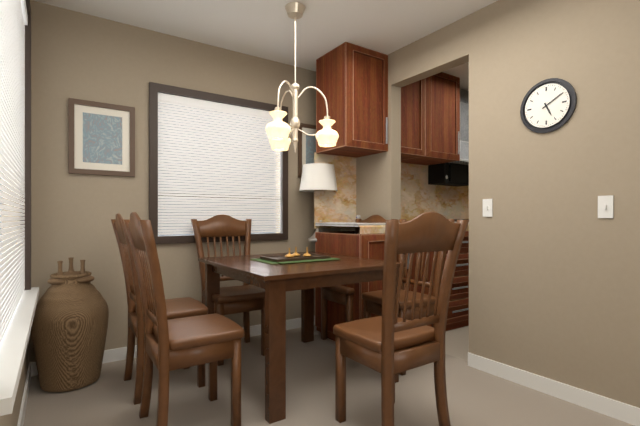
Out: {"hour": 5, "minute": 10}
